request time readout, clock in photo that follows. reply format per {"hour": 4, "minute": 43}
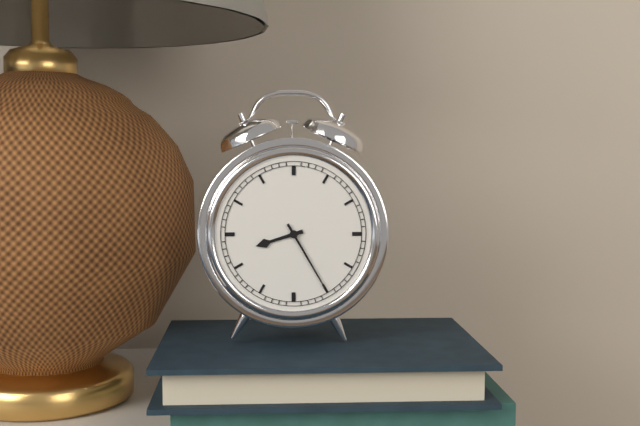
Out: {"hour": 8, "minute": 25}
